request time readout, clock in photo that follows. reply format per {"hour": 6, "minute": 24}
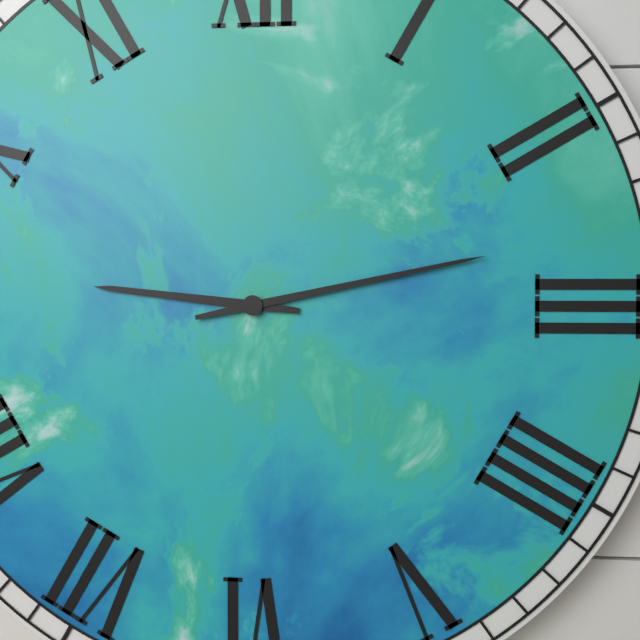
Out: {"hour": 9, "minute": 13}
